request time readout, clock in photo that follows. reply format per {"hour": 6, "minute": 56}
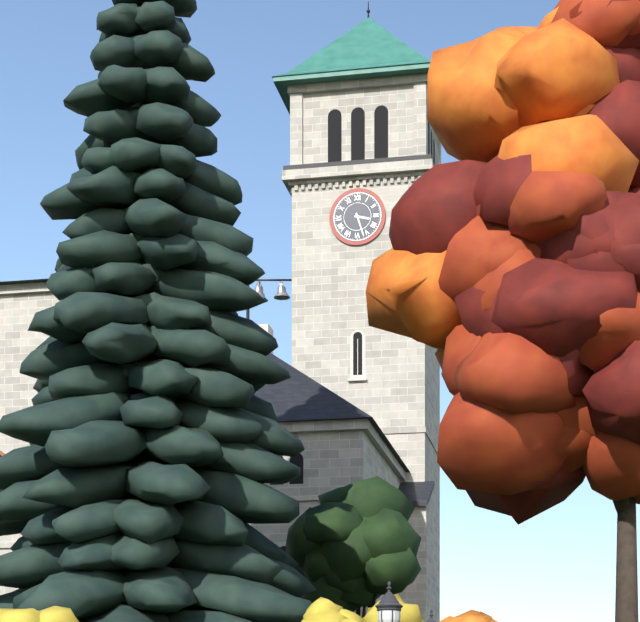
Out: {"hour": 3, "minute": 27}
